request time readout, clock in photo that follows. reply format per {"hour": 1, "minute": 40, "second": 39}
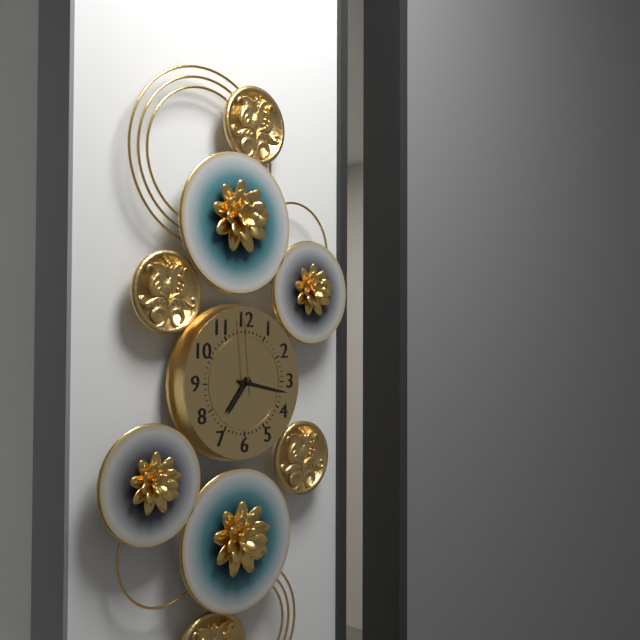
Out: {"hour": 7, "minute": 17, "second": 59}
